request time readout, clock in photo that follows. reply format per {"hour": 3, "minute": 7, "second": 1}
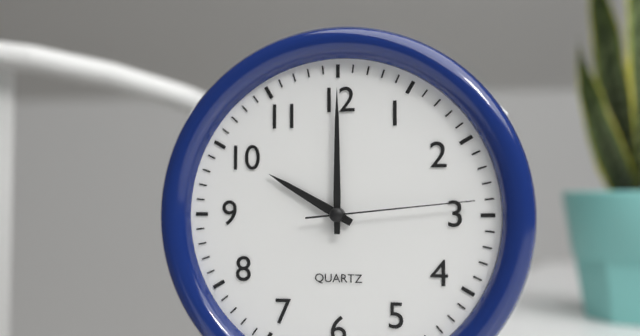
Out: {"hour": 10, "minute": 0, "second": 14}
